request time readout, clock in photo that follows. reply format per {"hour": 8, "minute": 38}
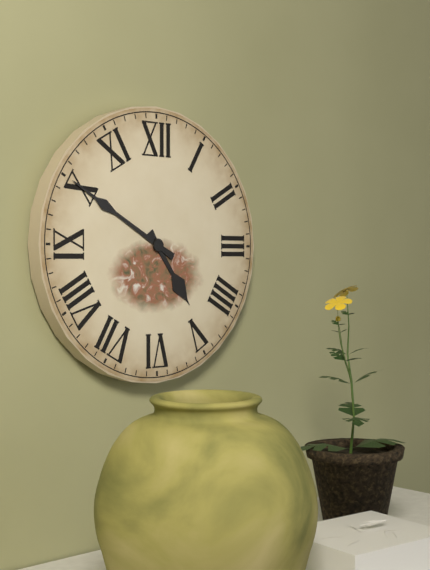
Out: {"hour": 4, "minute": 50}
